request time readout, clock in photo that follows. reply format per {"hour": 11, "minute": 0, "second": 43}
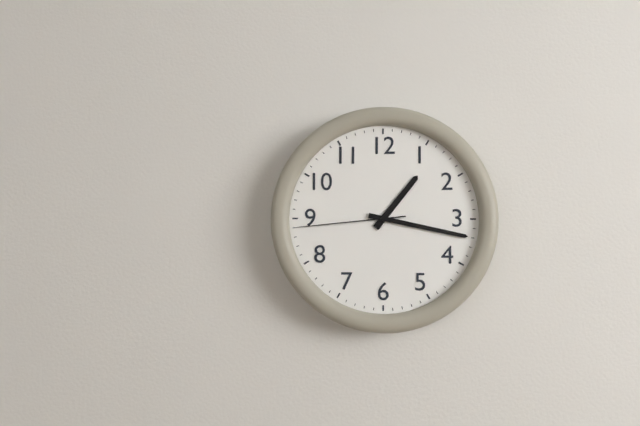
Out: {"hour": 1, "minute": 17, "second": 44}
